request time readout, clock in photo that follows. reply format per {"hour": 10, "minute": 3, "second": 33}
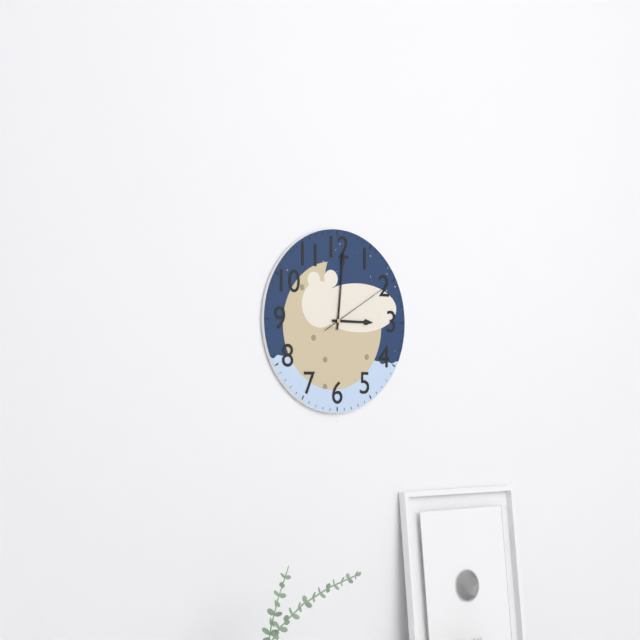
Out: {"hour": 3, "minute": 1, "second": 10}
